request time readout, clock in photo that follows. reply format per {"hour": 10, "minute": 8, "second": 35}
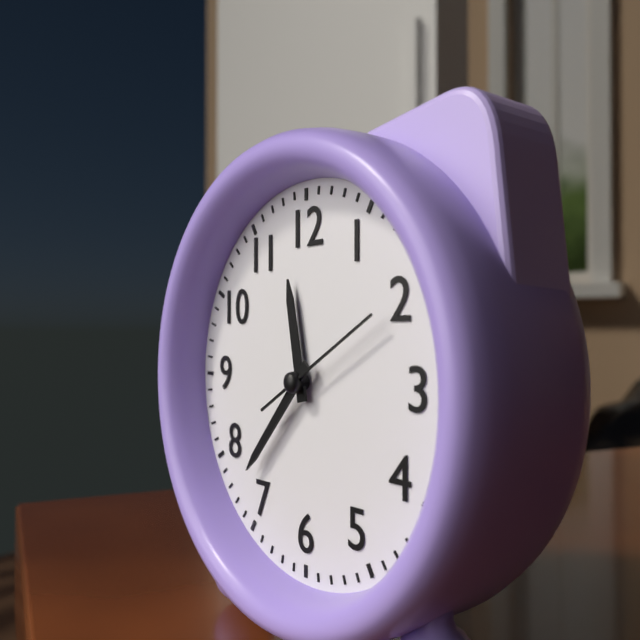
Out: {"hour": 11, "minute": 37, "second": 10}
